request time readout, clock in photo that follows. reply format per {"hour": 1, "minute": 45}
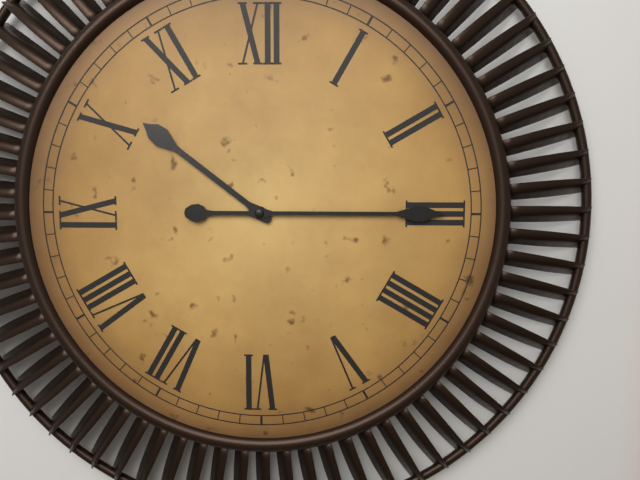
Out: {"hour": 10, "minute": 15}
